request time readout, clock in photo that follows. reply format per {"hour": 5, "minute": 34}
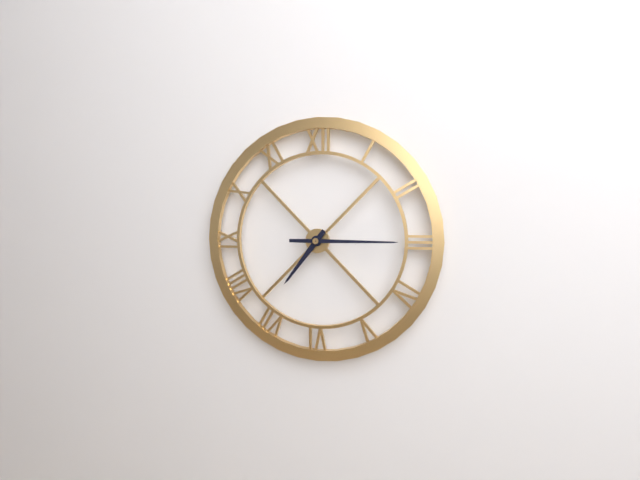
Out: {"hour": 7, "minute": 15}
